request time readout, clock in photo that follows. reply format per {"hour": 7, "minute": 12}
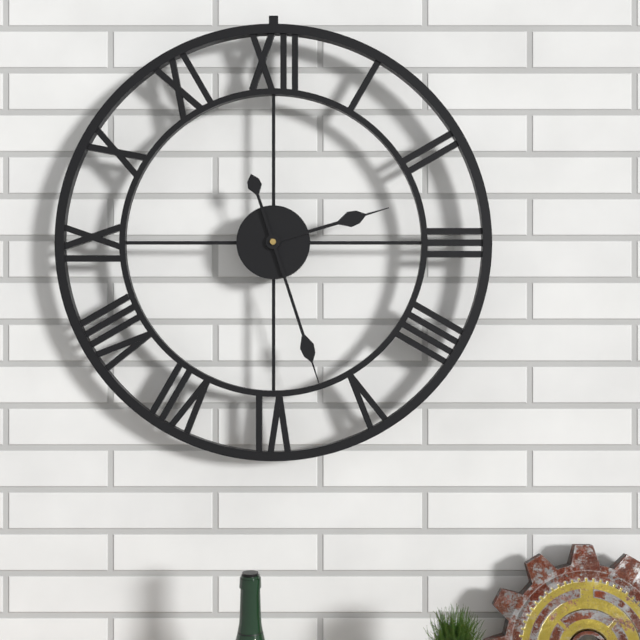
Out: {"hour": 2, "minute": 27}
